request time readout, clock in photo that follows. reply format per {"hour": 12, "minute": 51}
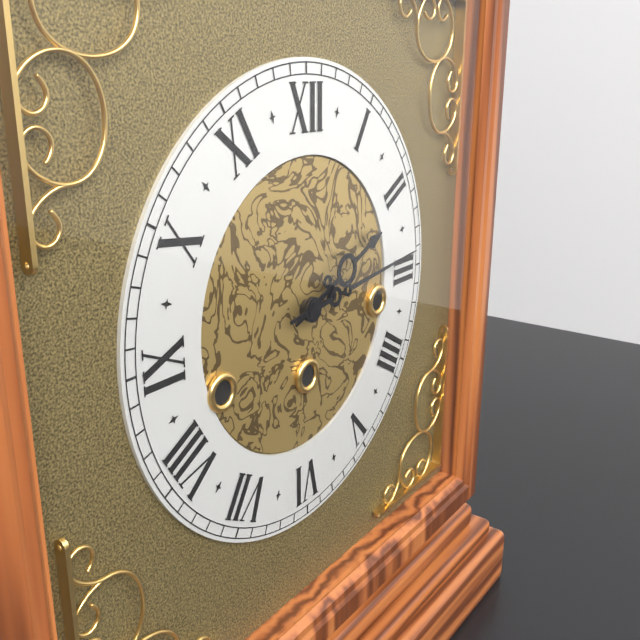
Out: {"hour": 2, "minute": 14}
